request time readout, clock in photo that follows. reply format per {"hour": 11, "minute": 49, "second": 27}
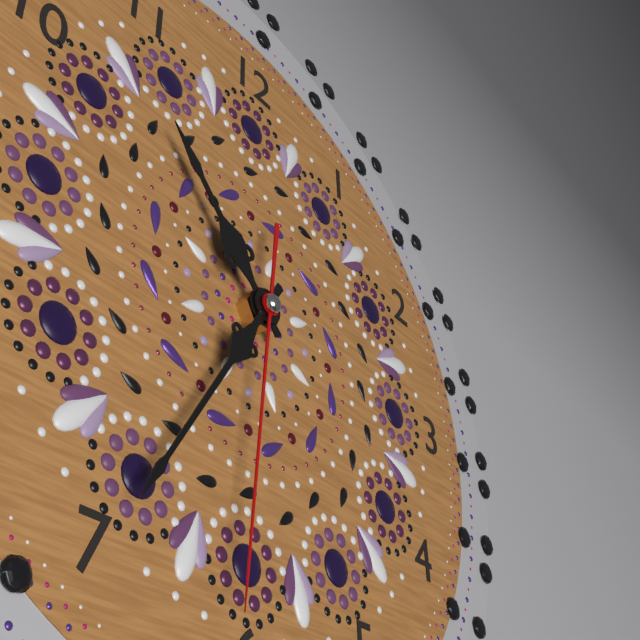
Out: {"hour": 10, "minute": 35, "second": 31}
